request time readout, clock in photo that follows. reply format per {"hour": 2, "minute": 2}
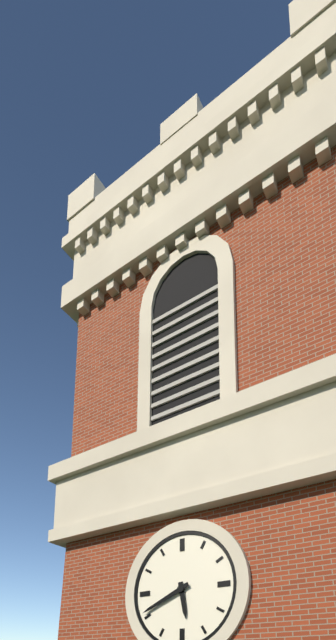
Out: {"hour": 5, "minute": 41}
